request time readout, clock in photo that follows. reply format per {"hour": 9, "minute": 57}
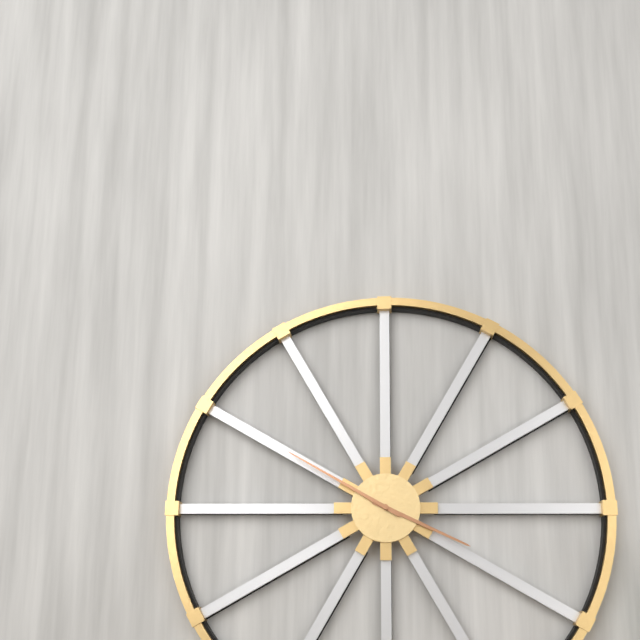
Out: {"hour": 3, "minute": 50}
